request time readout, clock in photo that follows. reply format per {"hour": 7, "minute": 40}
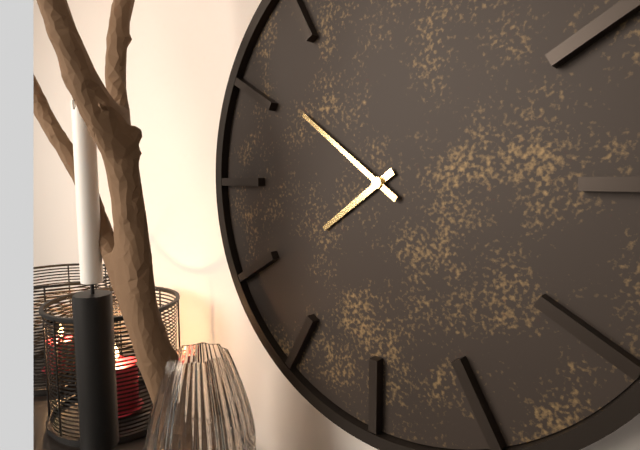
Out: {"hour": 7, "minute": 51}
